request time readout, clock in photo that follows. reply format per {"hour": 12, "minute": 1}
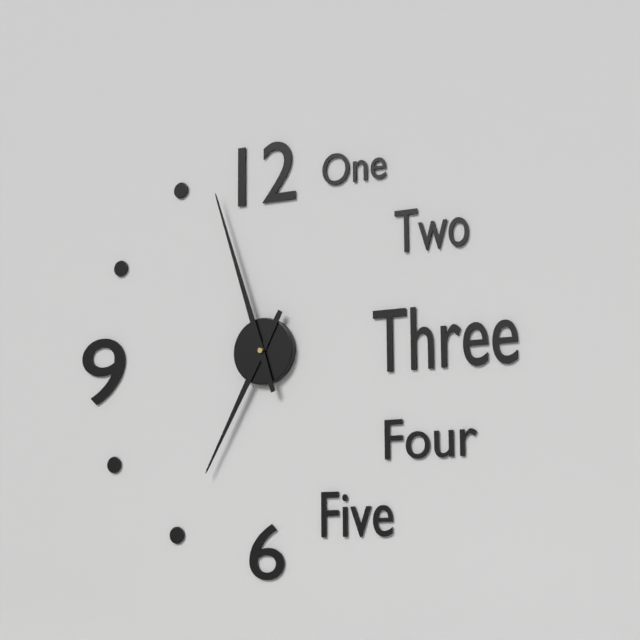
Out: {"hour": 6, "minute": 57}
